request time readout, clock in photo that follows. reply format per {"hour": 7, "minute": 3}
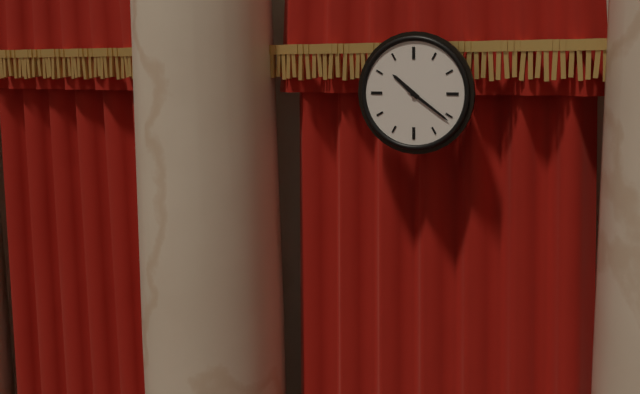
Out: {"hour": 10, "minute": 21}
